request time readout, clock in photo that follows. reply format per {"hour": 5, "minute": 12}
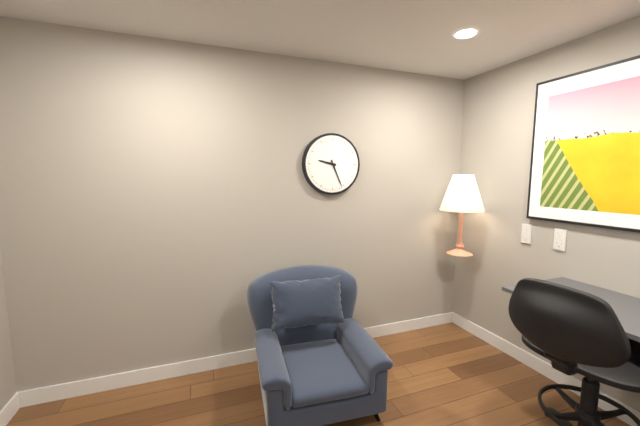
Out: {"hour": 9, "minute": 26}
